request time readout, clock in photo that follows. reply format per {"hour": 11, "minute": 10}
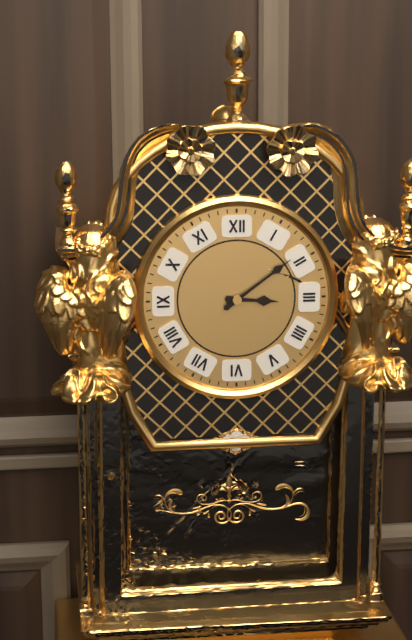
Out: {"hour": 3, "minute": 9}
